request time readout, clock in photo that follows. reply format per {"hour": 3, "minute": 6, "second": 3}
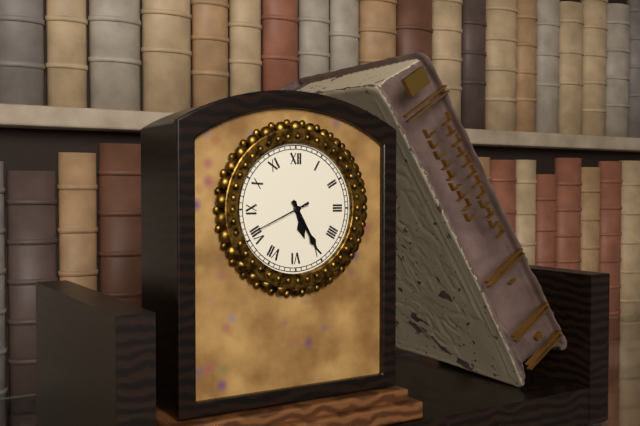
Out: {"hour": 5, "minute": 25, "second": 41}
